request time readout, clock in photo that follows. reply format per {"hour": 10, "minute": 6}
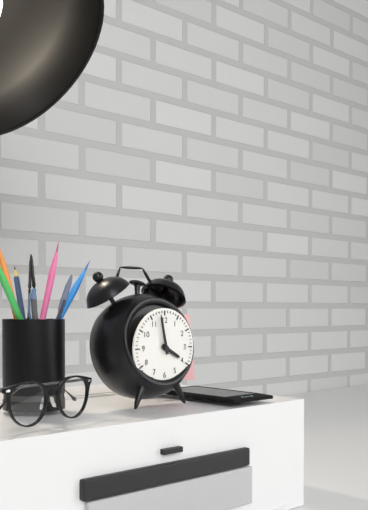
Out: {"hour": 3, "minute": 58}
